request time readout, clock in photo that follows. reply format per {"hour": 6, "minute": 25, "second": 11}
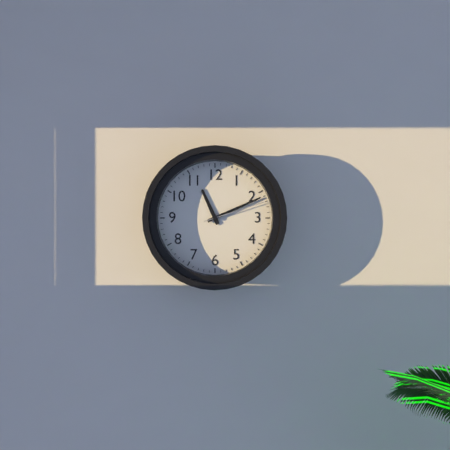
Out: {"hour": 11, "minute": 11, "second": 12}
